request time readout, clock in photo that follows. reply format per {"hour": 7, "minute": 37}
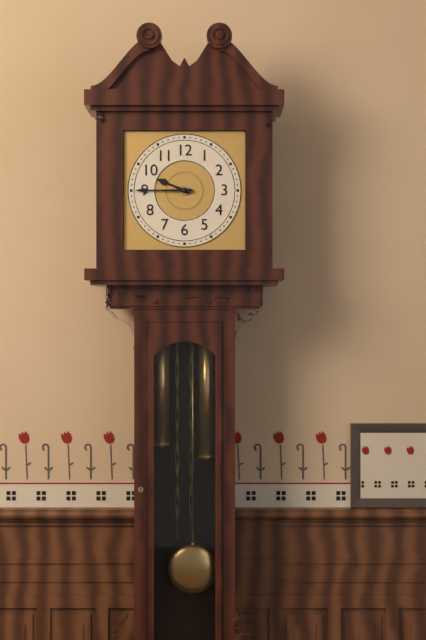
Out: {"hour": 9, "minute": 45}
